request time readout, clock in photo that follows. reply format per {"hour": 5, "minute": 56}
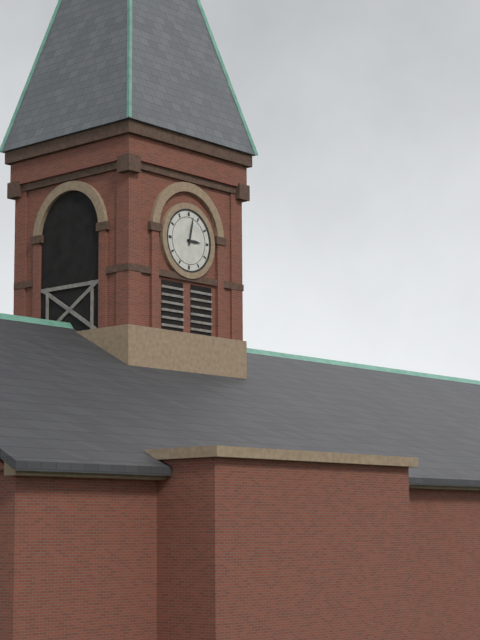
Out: {"hour": 3, "minute": 2}
